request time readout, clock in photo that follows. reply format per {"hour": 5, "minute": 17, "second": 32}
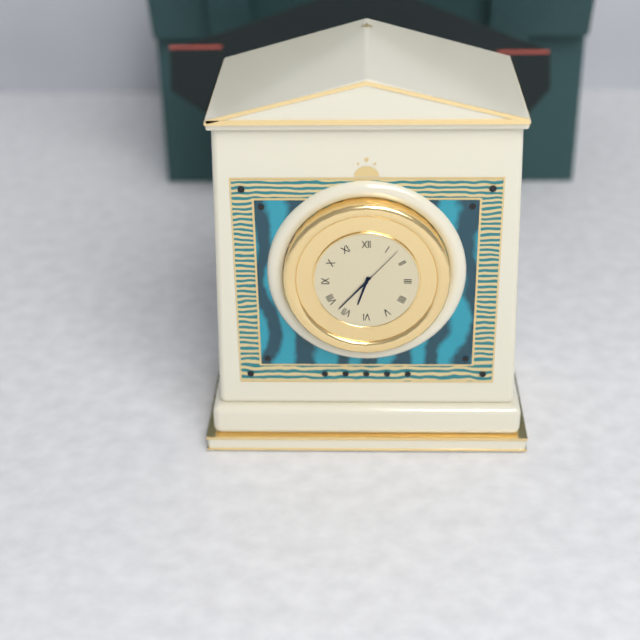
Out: {"hour": 6, "minute": 37, "second": 7}
